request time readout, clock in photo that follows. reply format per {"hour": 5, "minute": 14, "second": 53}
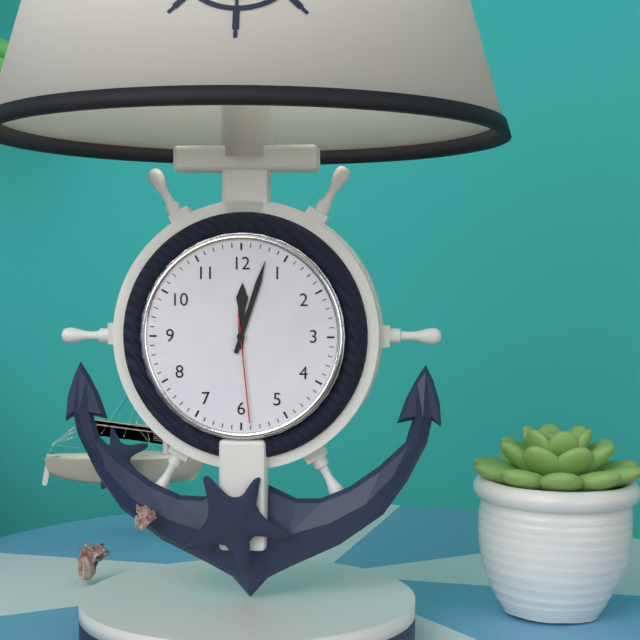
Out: {"hour": 12, "minute": 3, "second": 29}
